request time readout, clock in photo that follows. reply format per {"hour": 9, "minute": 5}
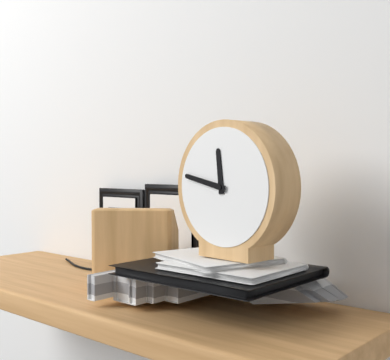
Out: {"hour": 11, "minute": 47}
